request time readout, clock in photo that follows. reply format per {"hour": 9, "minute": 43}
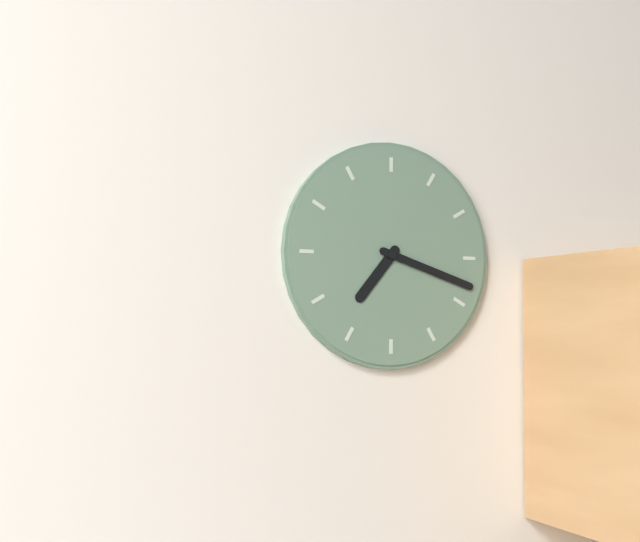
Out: {"hour": 7, "minute": 18}
